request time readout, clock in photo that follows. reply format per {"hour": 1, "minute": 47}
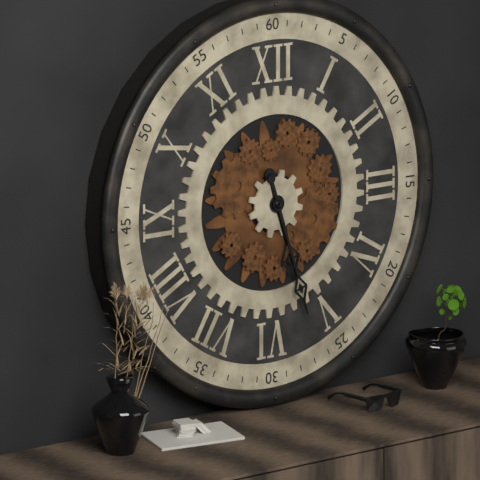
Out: {"hour": 5, "minute": 27}
